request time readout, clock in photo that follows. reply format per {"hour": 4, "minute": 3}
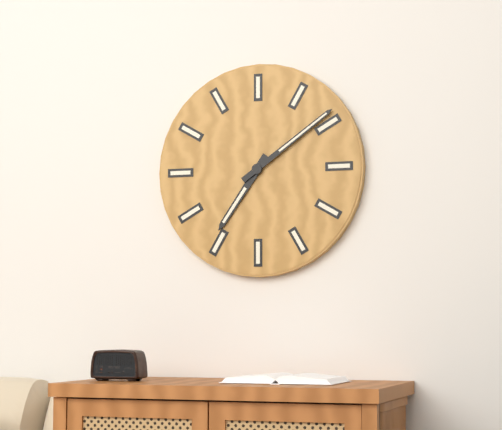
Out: {"hour": 7, "minute": 9}
